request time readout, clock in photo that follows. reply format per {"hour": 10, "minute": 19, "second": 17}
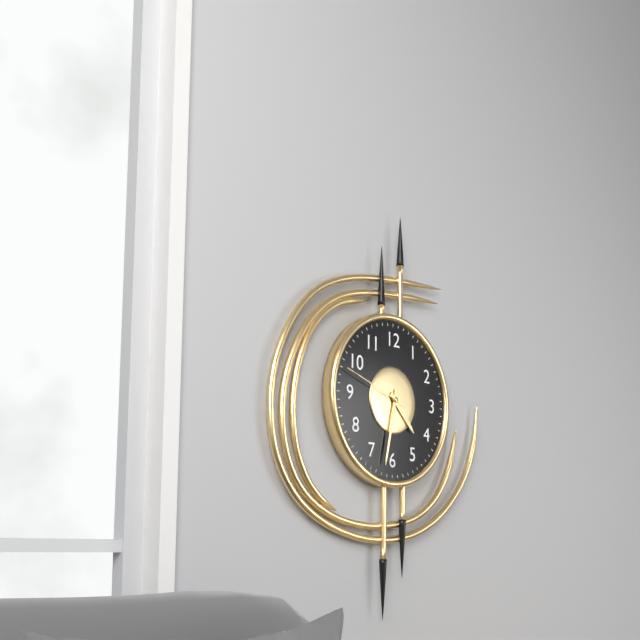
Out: {"hour": 4, "minute": 32, "second": 48}
